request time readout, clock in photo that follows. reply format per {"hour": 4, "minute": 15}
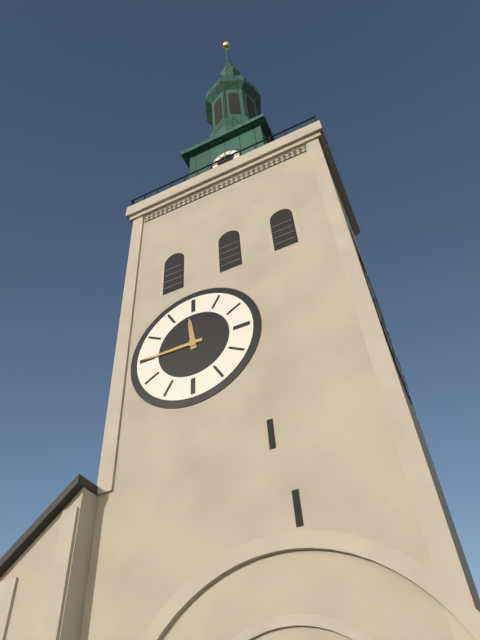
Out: {"hour": 11, "minute": 45}
